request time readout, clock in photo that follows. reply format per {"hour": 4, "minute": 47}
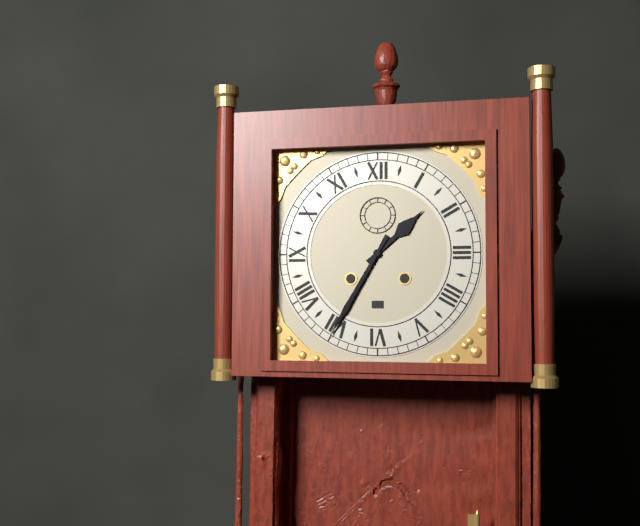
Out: {"hour": 1, "minute": 35}
